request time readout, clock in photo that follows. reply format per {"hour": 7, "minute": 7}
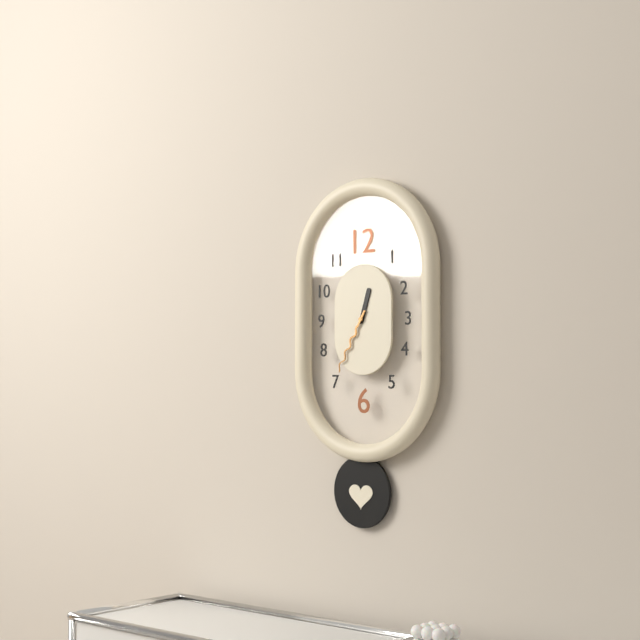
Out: {"hour": 12, "minute": 35}
